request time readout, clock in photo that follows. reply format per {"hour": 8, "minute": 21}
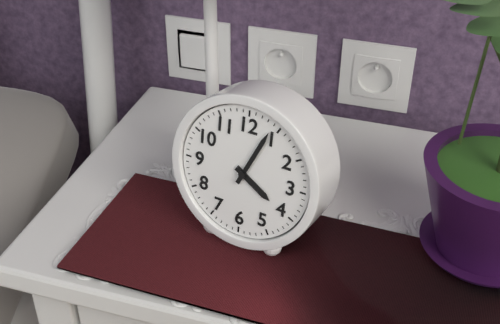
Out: {"hour": 4, "minute": 4}
